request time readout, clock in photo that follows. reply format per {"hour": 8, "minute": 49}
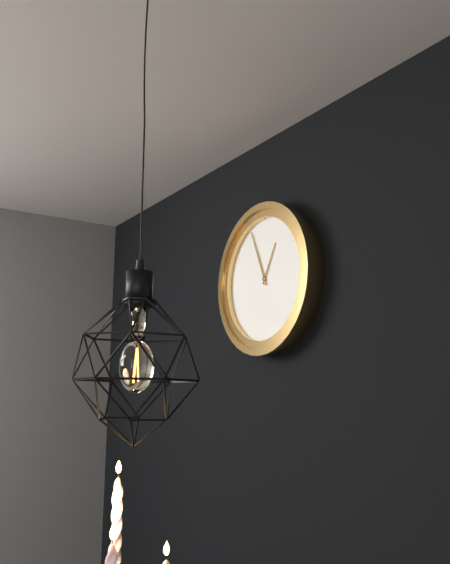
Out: {"hour": 12, "minute": 56}
